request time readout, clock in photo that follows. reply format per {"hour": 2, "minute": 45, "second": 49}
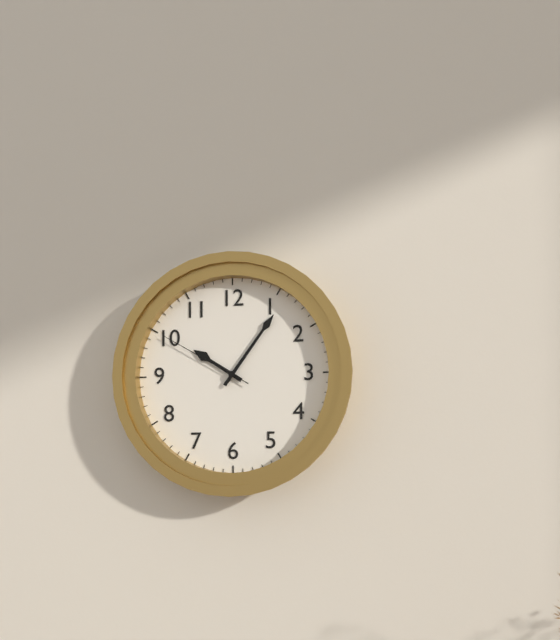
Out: {"hour": 10, "minute": 6, "second": 50}
